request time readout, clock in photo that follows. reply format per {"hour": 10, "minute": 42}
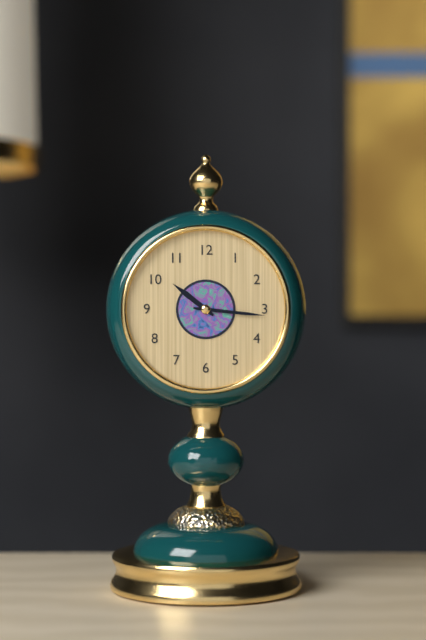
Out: {"hour": 10, "minute": 16}
